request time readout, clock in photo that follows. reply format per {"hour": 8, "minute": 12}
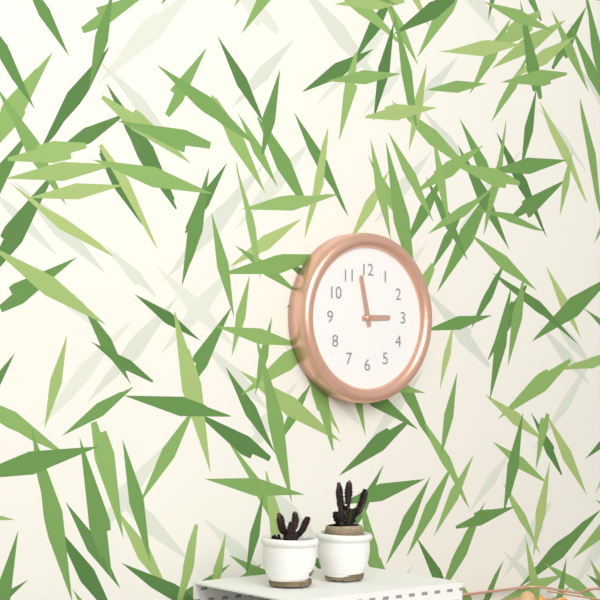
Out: {"hour": 2, "minute": 58}
